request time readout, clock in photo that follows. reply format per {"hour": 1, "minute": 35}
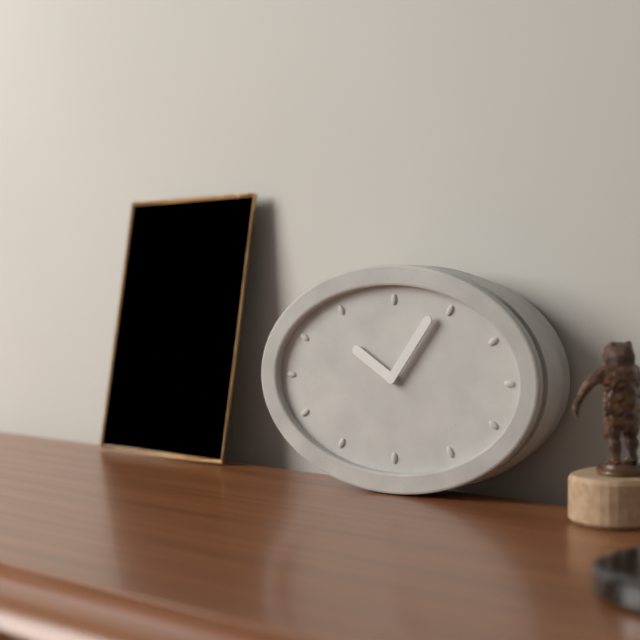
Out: {"hour": 10, "minute": 6}
